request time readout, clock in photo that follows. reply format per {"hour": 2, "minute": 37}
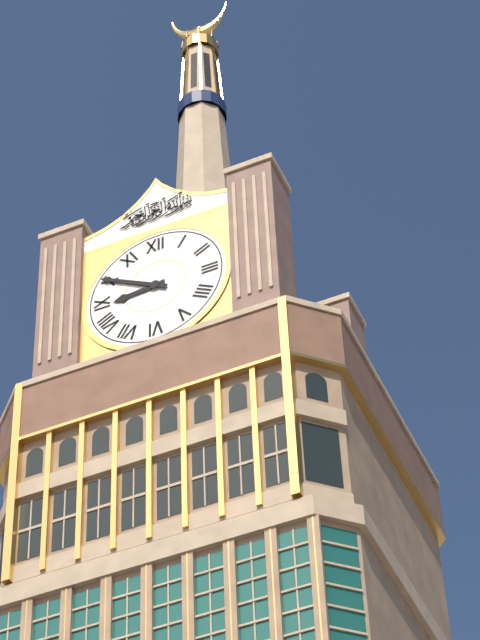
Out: {"hour": 8, "minute": 50}
